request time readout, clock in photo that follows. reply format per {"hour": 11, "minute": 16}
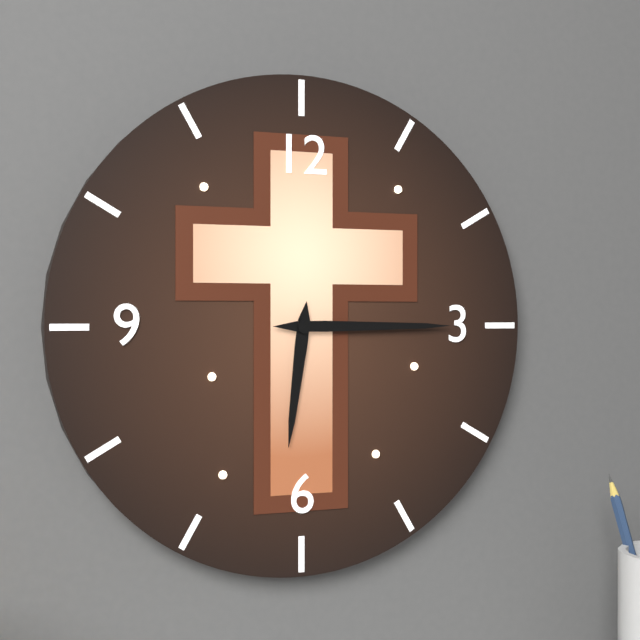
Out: {"hour": 6, "minute": 15}
